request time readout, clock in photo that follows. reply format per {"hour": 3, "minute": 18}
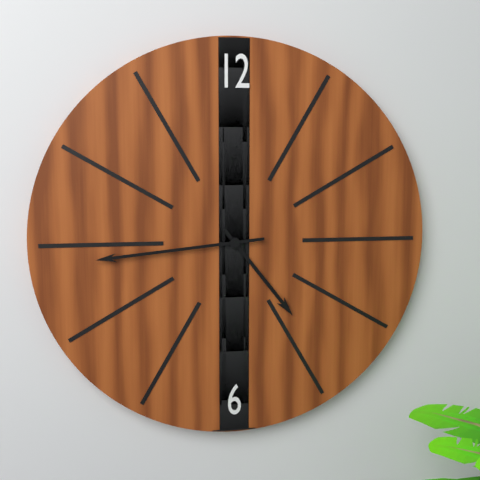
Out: {"hour": 4, "minute": 44}
